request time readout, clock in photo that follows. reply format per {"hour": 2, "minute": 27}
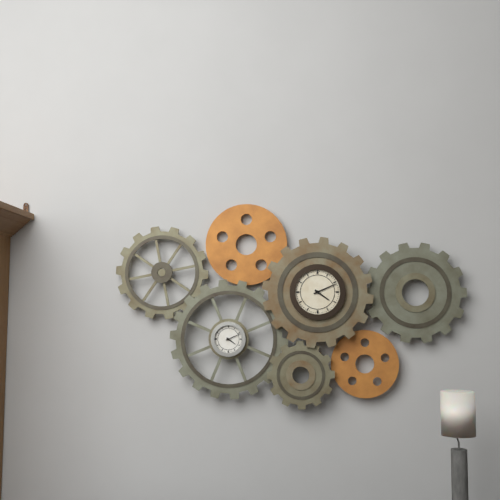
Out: {"hour": 4, "minute": 11}
